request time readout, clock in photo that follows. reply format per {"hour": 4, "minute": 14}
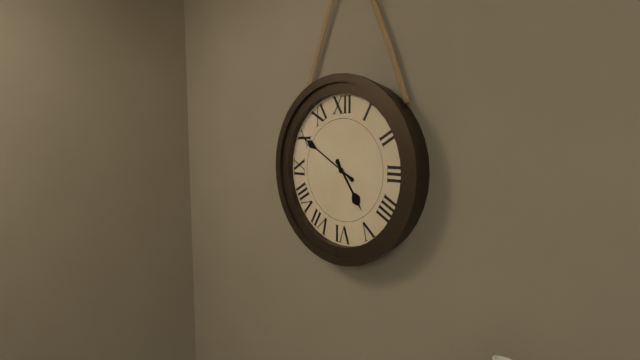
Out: {"hour": 4, "minute": 50}
